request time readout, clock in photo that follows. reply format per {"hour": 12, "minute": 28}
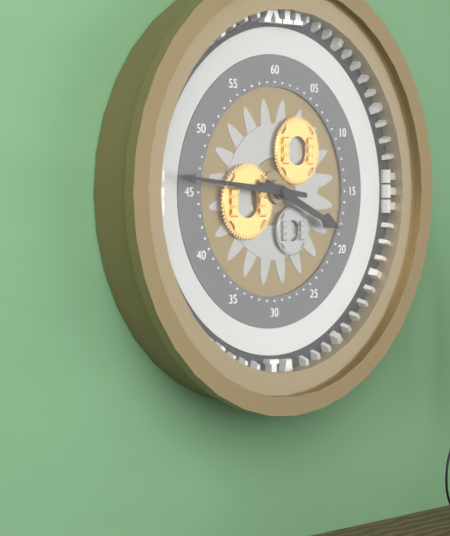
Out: {"hour": 3, "minute": 46}
